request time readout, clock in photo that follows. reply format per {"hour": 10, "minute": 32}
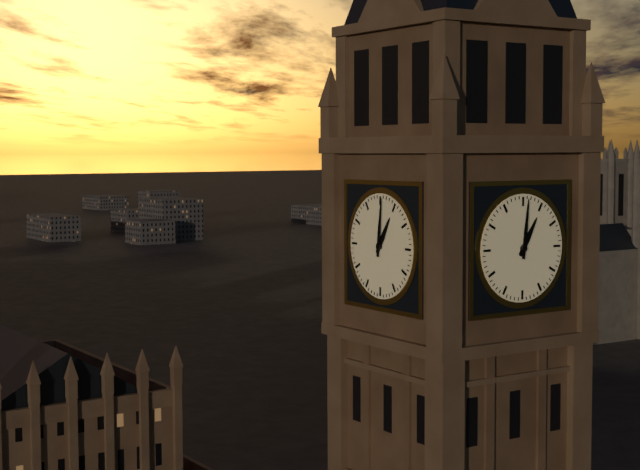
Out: {"hour": 1, "minute": 1}
